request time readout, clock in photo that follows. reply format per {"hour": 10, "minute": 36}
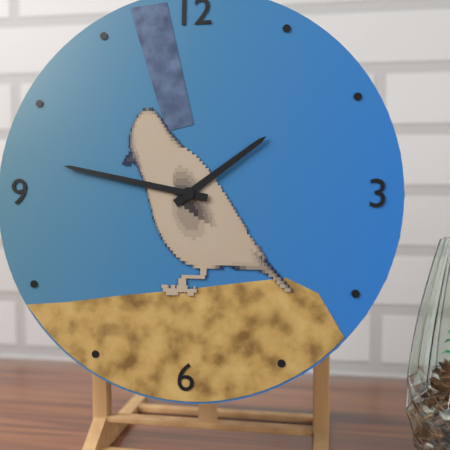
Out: {"hour": 1, "minute": 47}
